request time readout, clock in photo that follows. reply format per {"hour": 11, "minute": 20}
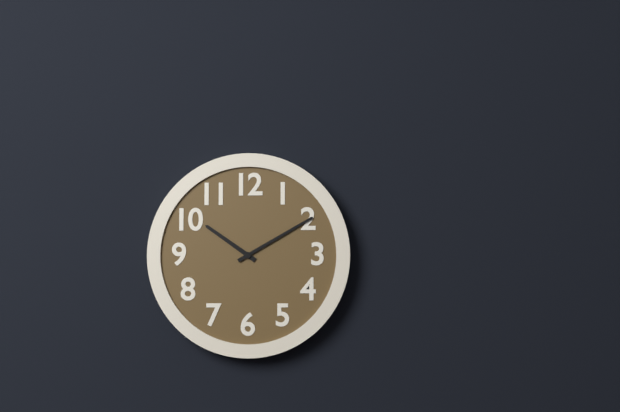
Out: {"hour": 10, "minute": 10}
